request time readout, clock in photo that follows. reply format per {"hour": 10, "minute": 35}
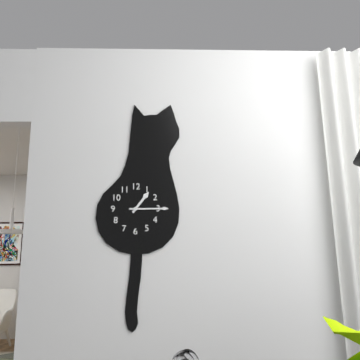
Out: {"hour": 1, "minute": 15}
